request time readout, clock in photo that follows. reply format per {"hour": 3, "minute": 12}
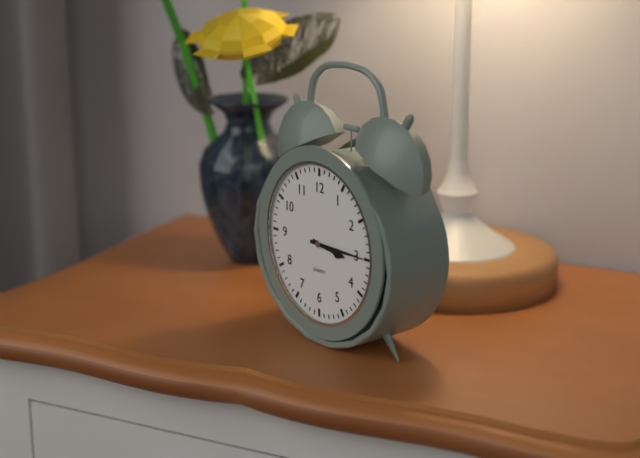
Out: {"hour": 3, "minute": 15}
